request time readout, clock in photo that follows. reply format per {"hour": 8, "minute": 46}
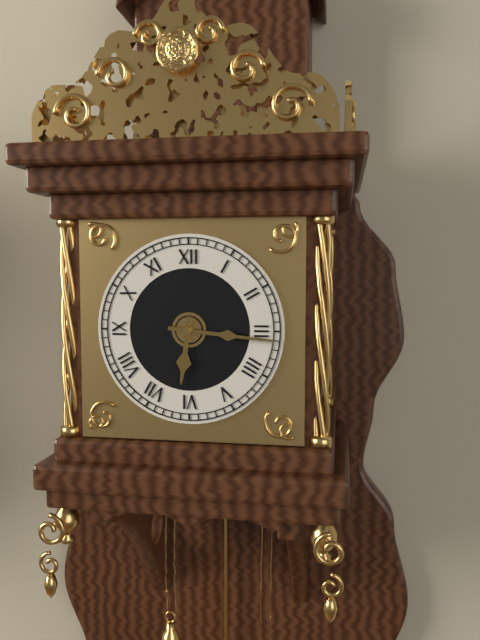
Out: {"hour": 6, "minute": 16}
